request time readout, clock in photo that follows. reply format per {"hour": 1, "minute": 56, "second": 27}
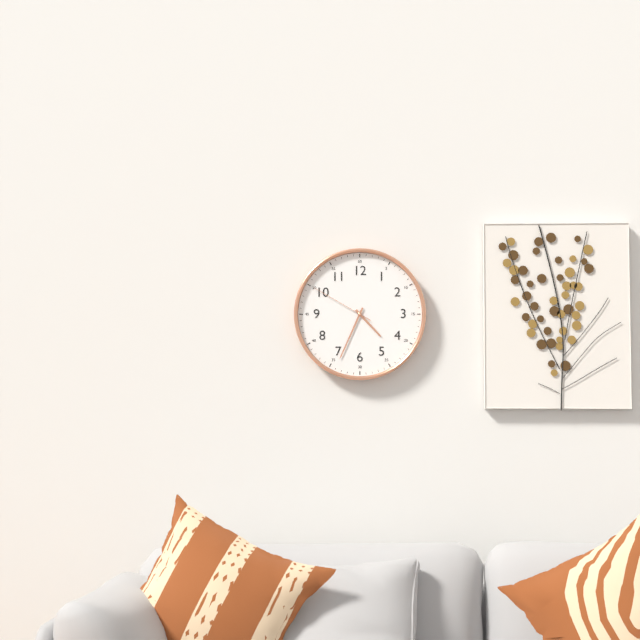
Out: {"hour": 4, "minute": 34, "second": 50}
